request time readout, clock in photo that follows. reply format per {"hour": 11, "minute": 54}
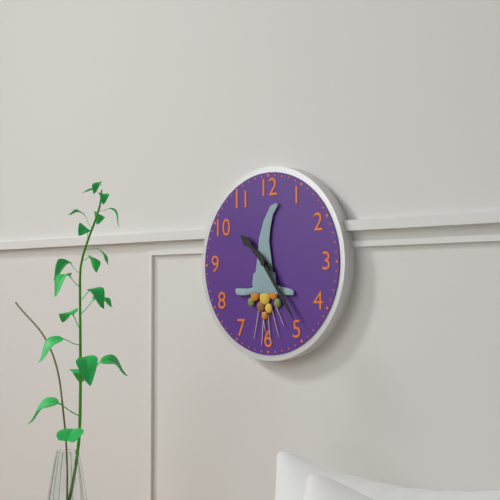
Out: {"hour": 10, "minute": 24}
